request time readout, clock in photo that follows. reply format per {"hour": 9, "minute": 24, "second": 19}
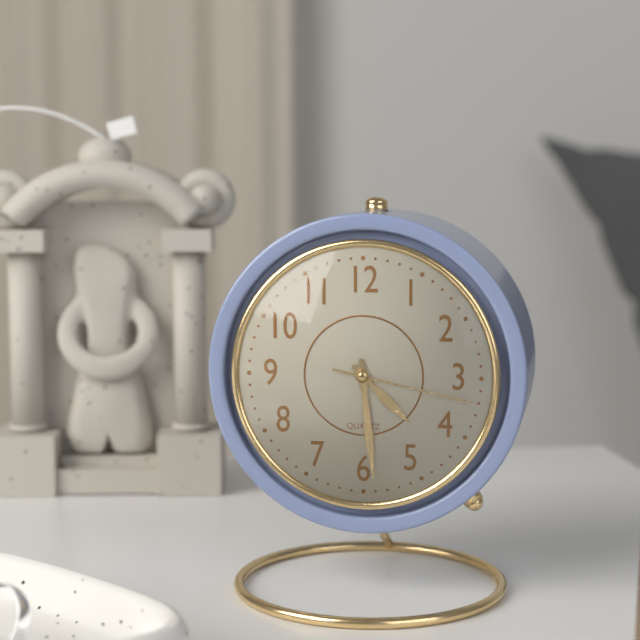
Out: {"hour": 4, "minute": 29, "second": 17}
